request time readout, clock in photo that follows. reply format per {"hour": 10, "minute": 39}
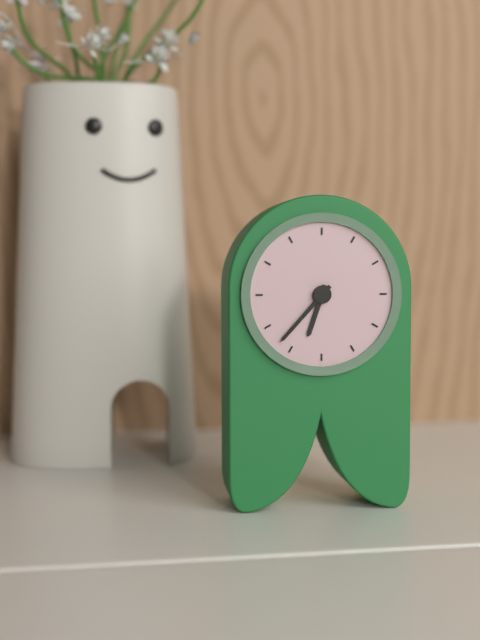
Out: {"hour": 6, "minute": 37}
